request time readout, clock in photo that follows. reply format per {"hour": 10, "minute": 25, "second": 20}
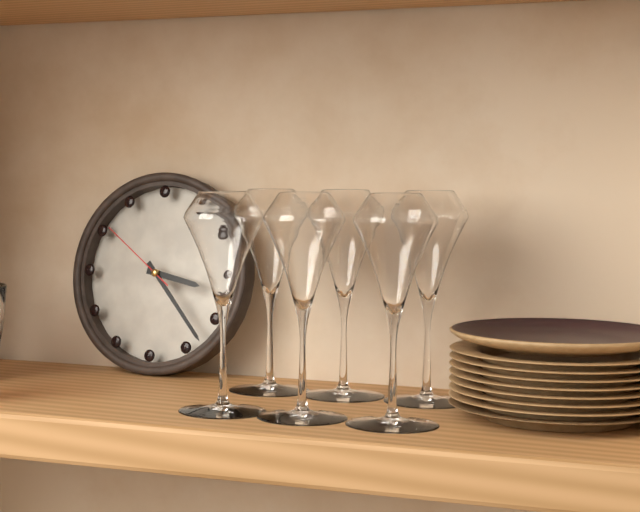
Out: {"hour": 3, "minute": 23, "second": 51}
